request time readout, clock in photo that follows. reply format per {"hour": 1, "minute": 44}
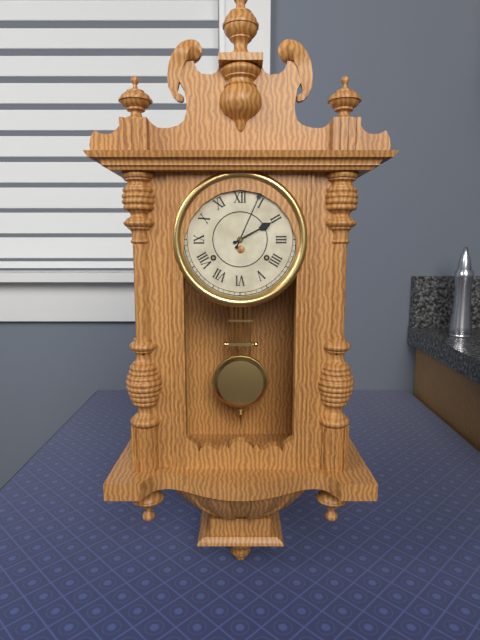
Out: {"hour": 2, "minute": 4}
